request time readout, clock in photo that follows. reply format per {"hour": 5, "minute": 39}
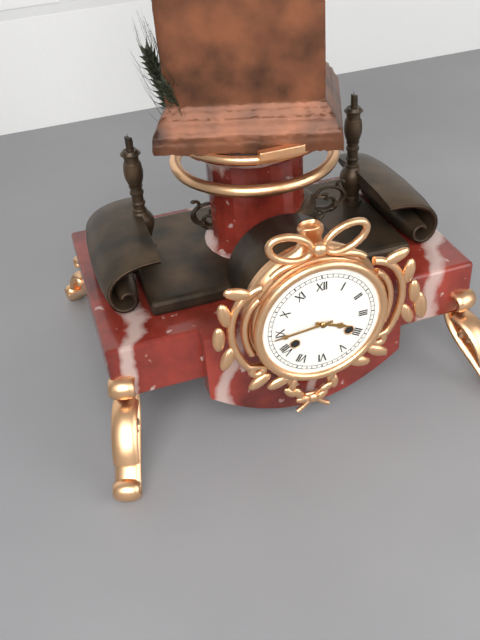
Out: {"hour": 3, "minute": 44}
